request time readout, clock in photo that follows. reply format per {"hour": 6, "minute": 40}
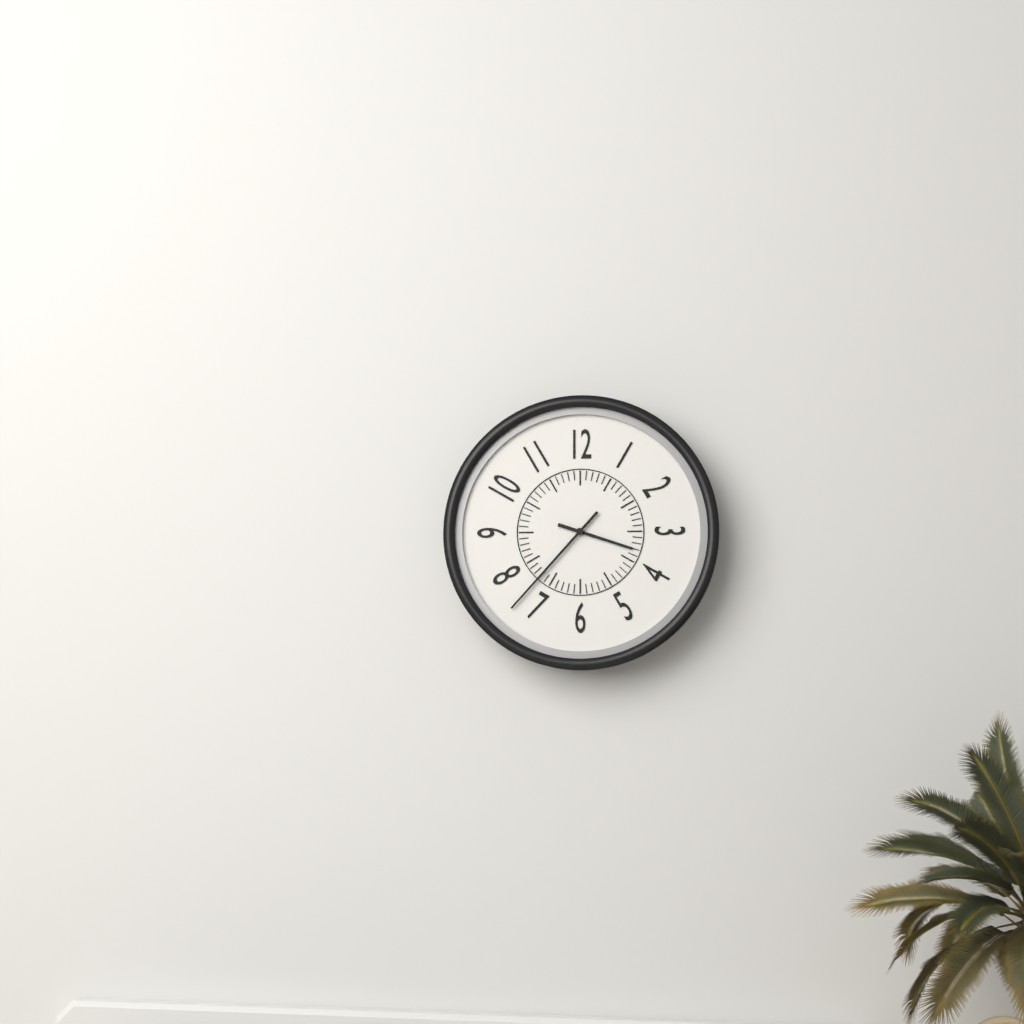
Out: {"hour": 3, "minute": 37}
